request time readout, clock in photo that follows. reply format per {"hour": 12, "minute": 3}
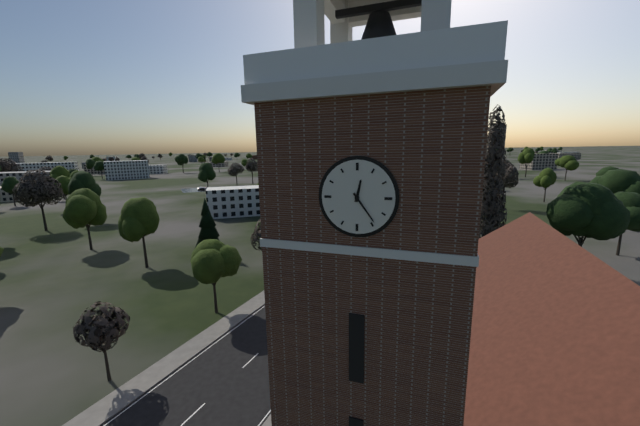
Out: {"hour": 12, "minute": 24}
